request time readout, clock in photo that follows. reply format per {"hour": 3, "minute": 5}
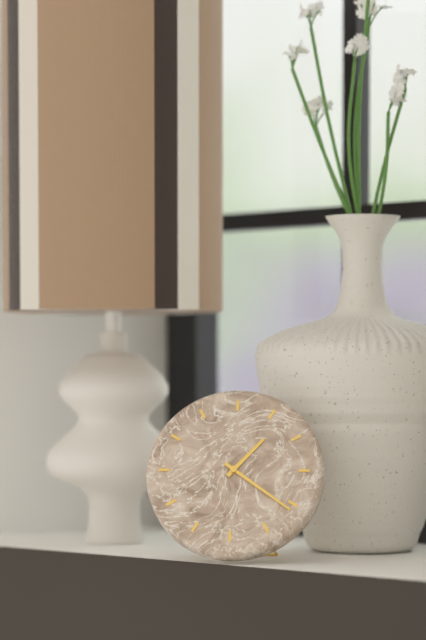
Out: {"hour": 1, "minute": 21}
